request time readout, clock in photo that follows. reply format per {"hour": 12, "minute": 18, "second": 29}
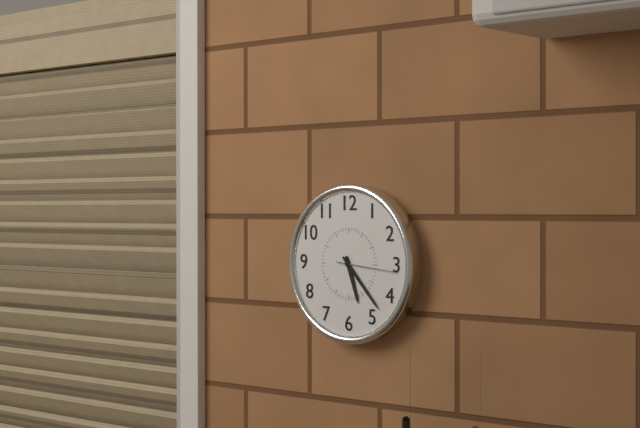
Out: {"hour": 5, "minute": 23, "second": 16}
